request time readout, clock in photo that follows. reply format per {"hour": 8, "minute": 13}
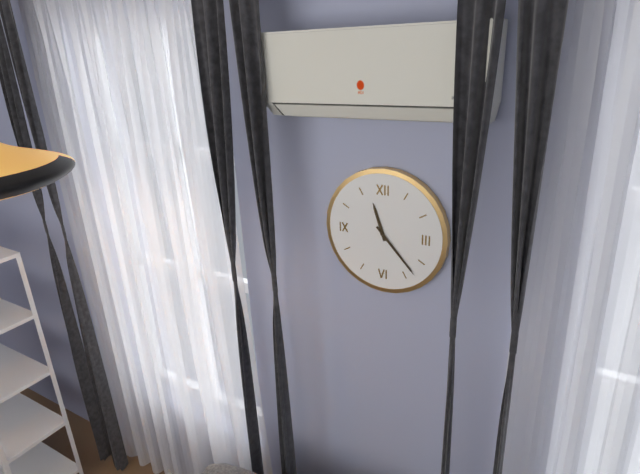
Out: {"hour": 11, "minute": 23}
